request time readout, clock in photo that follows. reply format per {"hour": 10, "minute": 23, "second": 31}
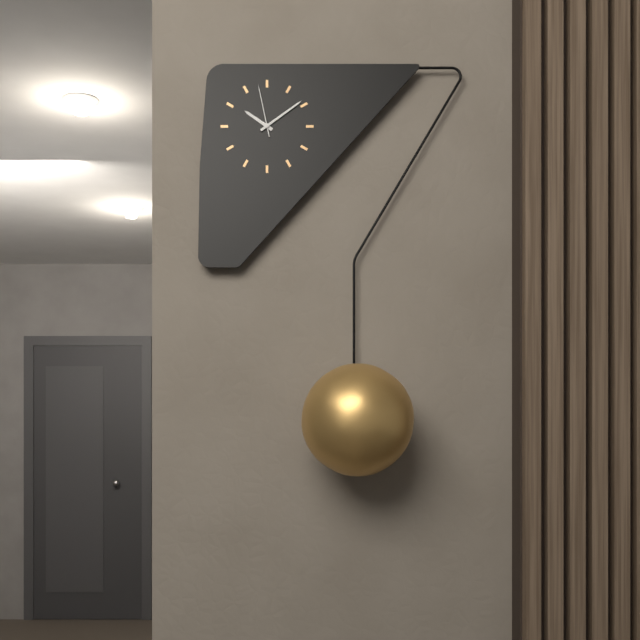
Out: {"hour": 10, "minute": 9, "second": 58}
